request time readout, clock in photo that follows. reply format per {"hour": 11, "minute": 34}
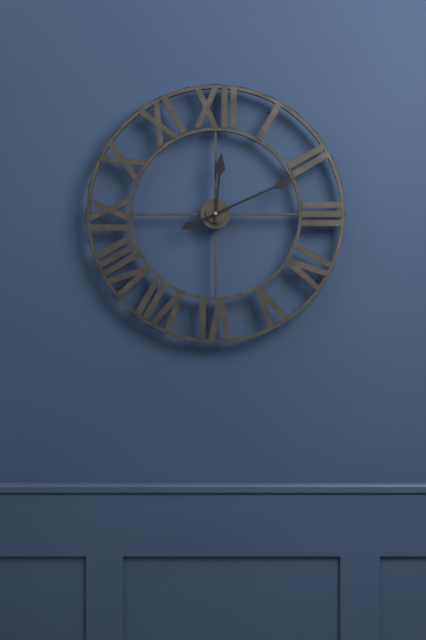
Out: {"hour": 12, "minute": 11}
